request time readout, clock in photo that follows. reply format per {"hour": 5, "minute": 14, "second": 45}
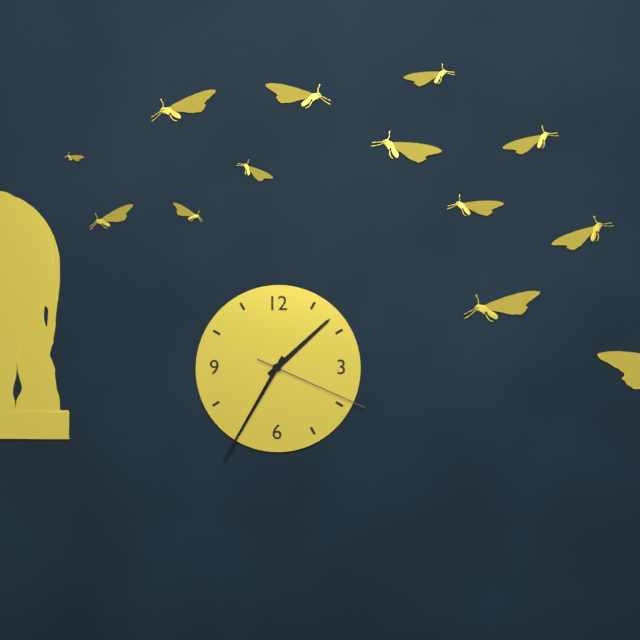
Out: {"hour": 1, "minute": 35, "second": 19}
